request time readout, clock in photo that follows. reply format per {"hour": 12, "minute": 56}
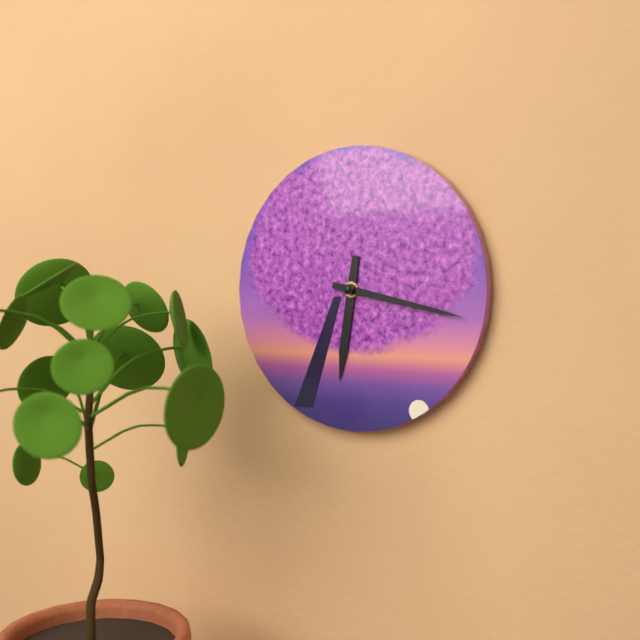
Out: {"hour": 6, "minute": 17}
